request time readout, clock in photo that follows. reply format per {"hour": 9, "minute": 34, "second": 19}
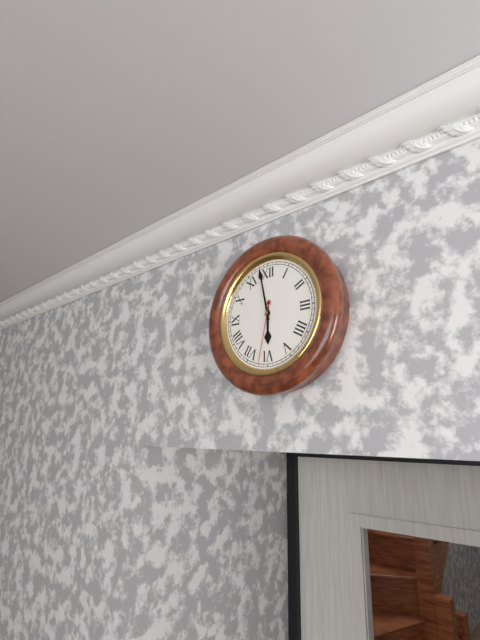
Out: {"hour": 5, "minute": 58, "second": 32}
